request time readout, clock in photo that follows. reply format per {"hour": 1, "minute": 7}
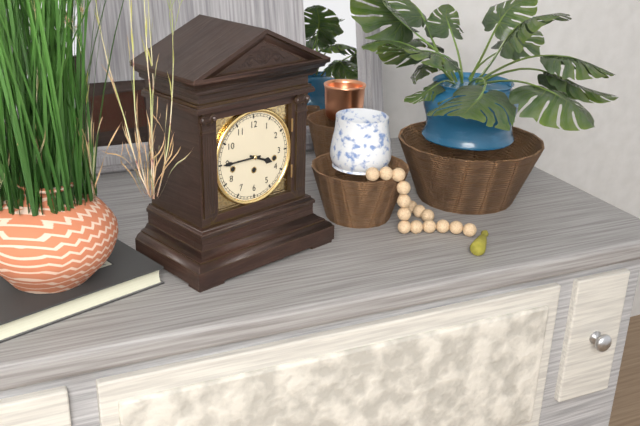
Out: {"hour": 3, "minute": 45}
